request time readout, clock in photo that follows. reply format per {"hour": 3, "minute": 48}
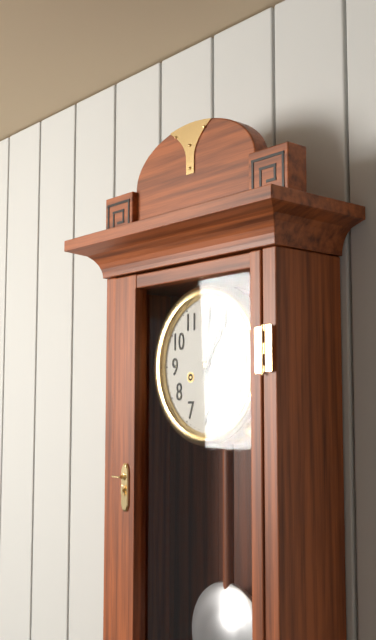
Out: {"hour": 1, "minute": 1}
